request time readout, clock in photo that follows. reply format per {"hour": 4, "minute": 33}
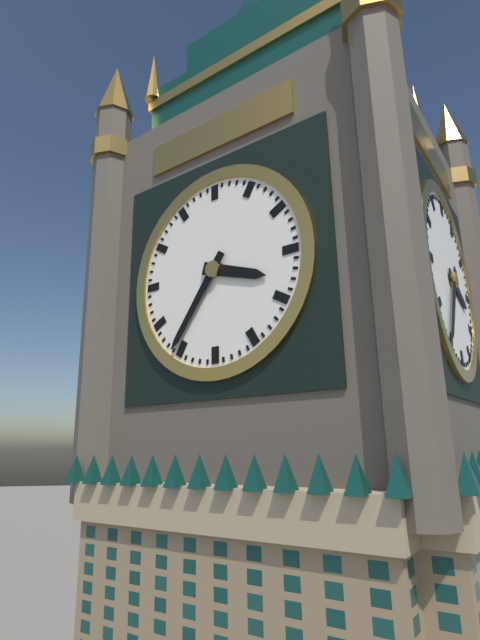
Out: {"hour": 3, "minute": 36}
